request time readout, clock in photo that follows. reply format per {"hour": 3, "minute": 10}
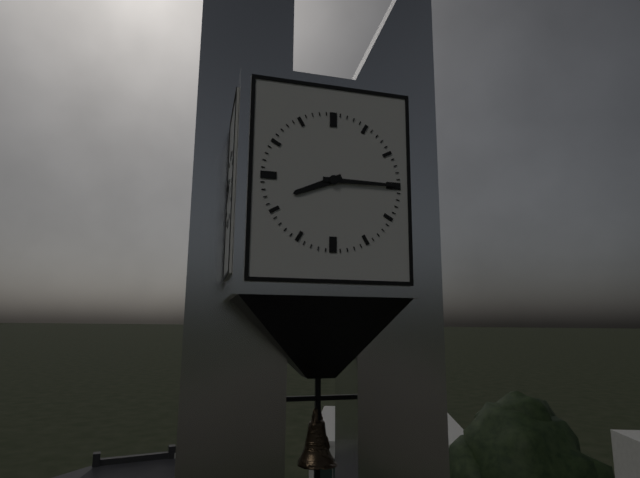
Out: {"hour": 8, "minute": 15}
